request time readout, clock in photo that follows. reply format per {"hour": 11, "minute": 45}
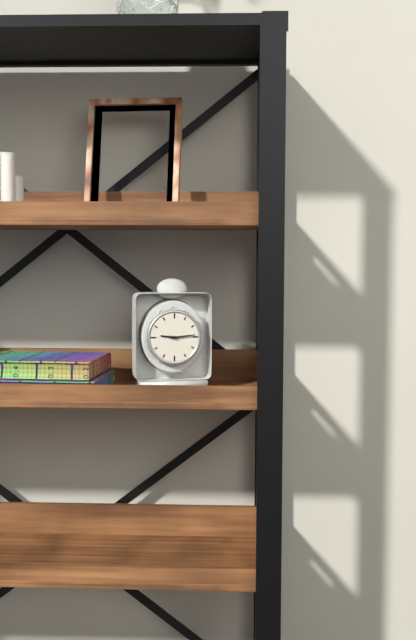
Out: {"hour": 9, "minute": 14}
